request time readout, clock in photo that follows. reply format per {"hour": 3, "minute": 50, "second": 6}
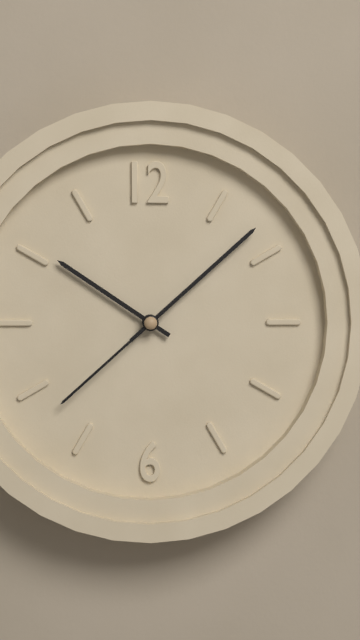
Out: {"hour": 10, "minute": 8, "second": 38}
